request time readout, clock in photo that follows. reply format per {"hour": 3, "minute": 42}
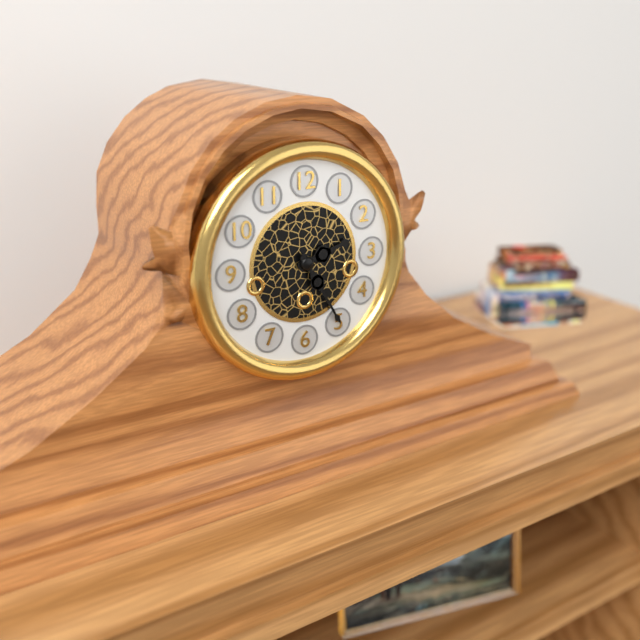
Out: {"hour": 2, "minute": 25}
